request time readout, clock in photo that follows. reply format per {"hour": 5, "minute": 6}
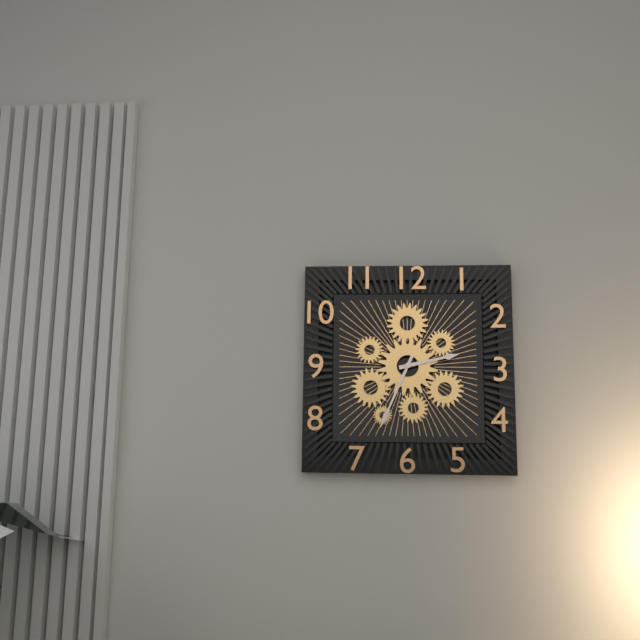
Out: {"hour": 2, "minute": 34}
